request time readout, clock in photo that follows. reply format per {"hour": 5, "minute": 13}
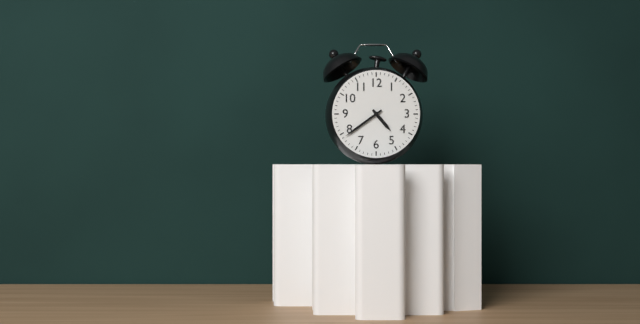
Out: {"hour": 4, "minute": 39}
